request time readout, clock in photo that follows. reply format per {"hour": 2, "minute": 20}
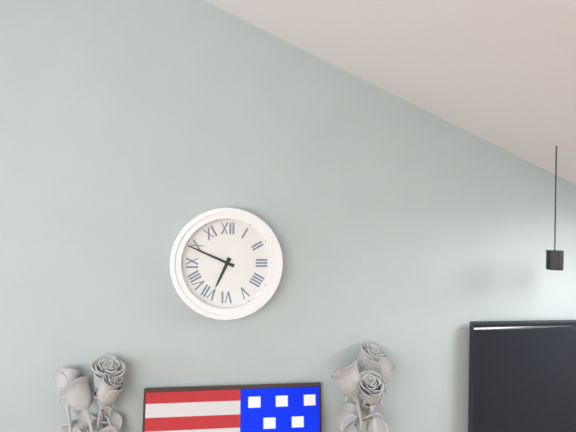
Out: {"hour": 6, "minute": 49}
